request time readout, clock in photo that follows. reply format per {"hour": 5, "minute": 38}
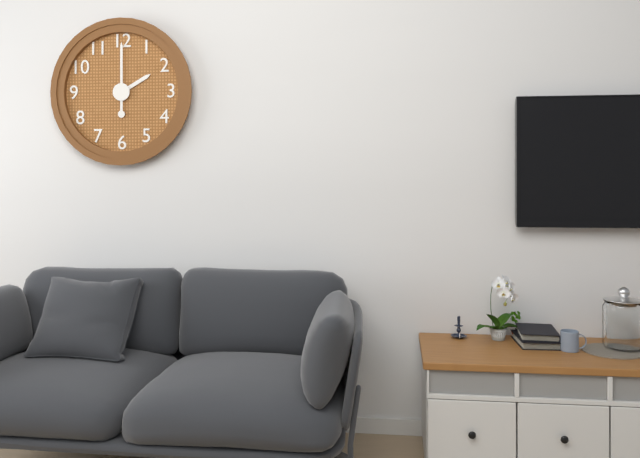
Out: {"hour": 2, "minute": 0}
